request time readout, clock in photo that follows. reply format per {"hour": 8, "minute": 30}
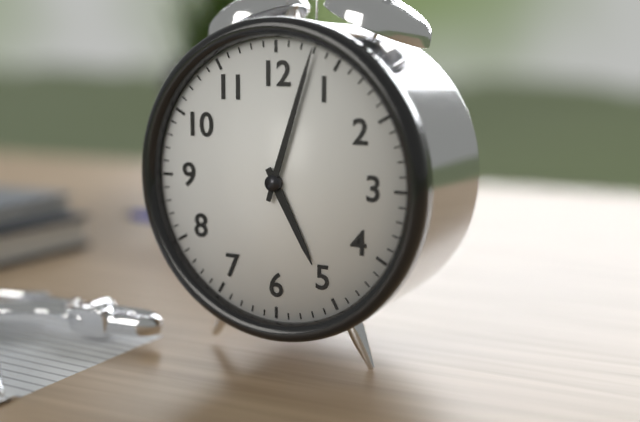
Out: {"hour": 5, "minute": 3}
